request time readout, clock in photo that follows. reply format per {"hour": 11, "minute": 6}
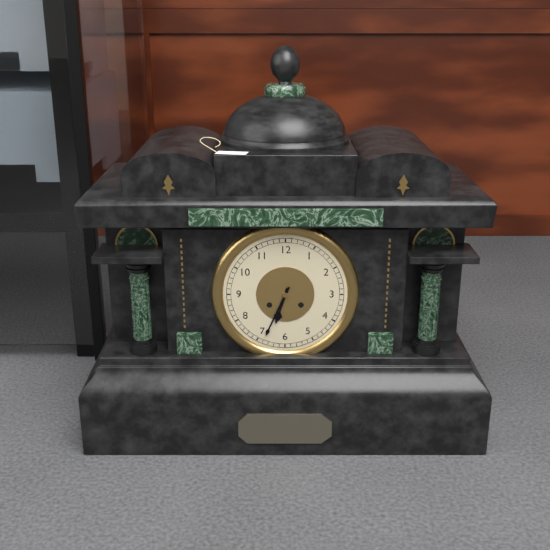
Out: {"hour": 6, "minute": 34}
